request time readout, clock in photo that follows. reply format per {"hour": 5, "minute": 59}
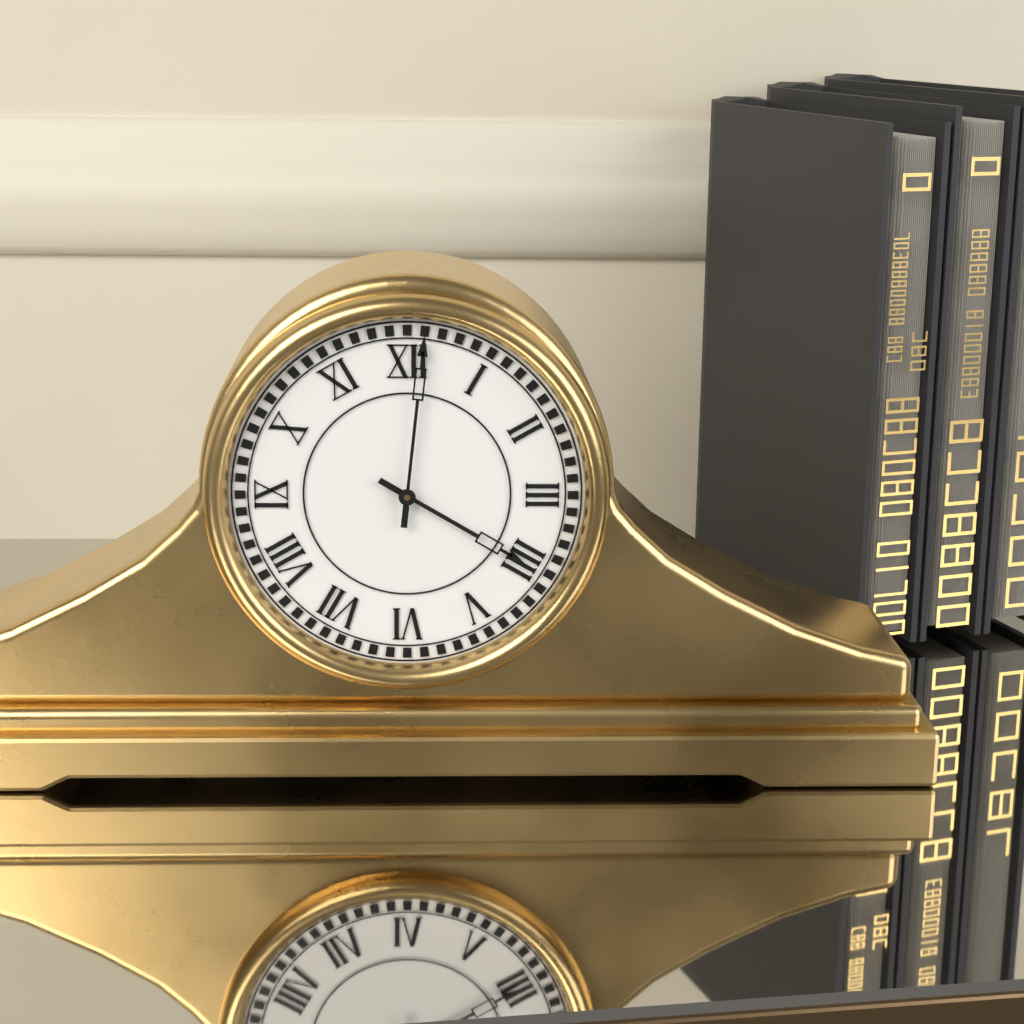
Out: {"hour": 4, "minute": 1}
